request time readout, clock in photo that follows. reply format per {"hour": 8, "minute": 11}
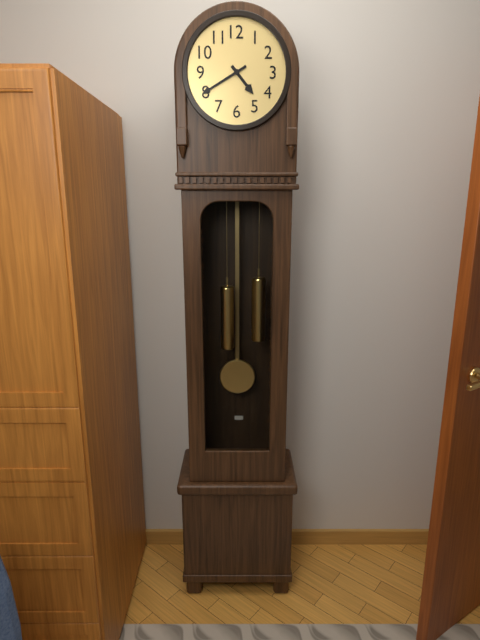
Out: {"hour": 4, "minute": 40}
